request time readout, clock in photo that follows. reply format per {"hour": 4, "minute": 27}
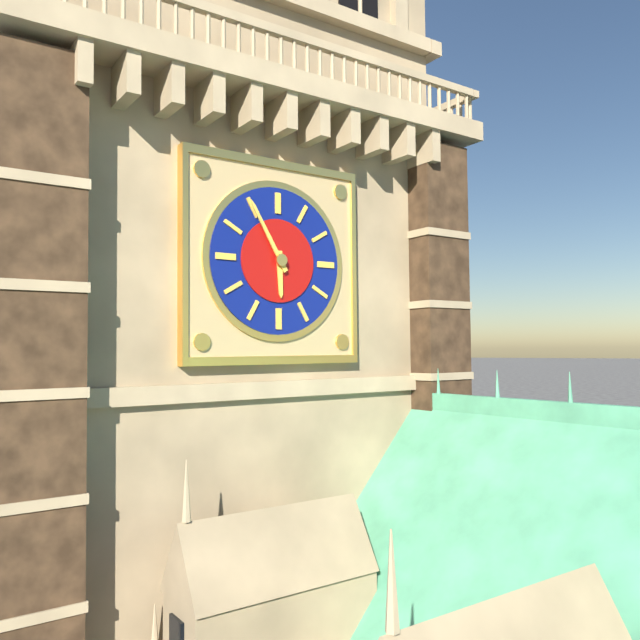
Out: {"hour": 5, "minute": 55}
